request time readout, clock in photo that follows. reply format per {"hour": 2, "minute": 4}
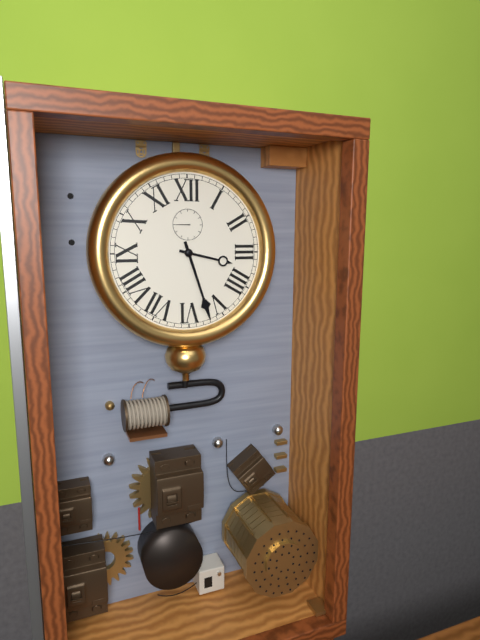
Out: {"hour": 3, "minute": 27}
